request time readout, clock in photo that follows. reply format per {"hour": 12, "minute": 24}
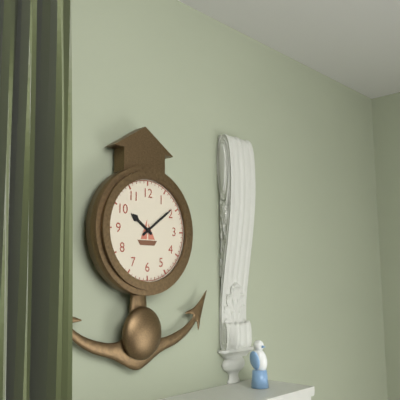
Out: {"hour": 10, "minute": 9}
